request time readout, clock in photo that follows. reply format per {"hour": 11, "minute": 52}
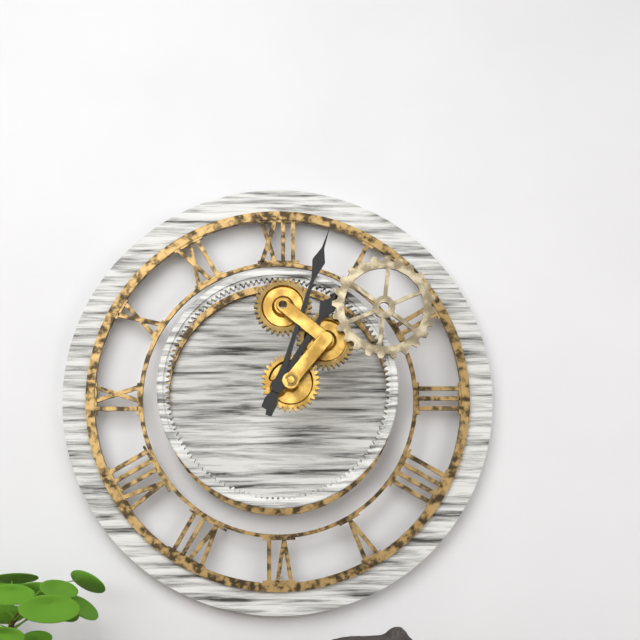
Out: {"hour": 1, "minute": 3}
